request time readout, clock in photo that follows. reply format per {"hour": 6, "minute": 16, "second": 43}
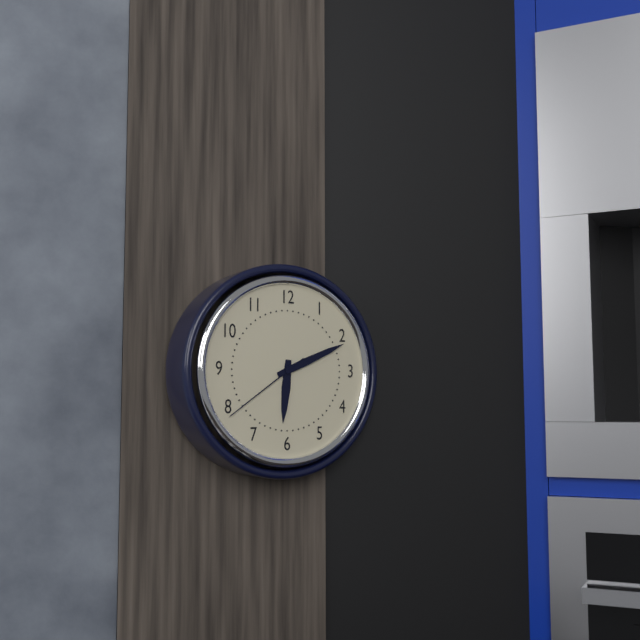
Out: {"hour": 6, "minute": 11, "second": 39}
